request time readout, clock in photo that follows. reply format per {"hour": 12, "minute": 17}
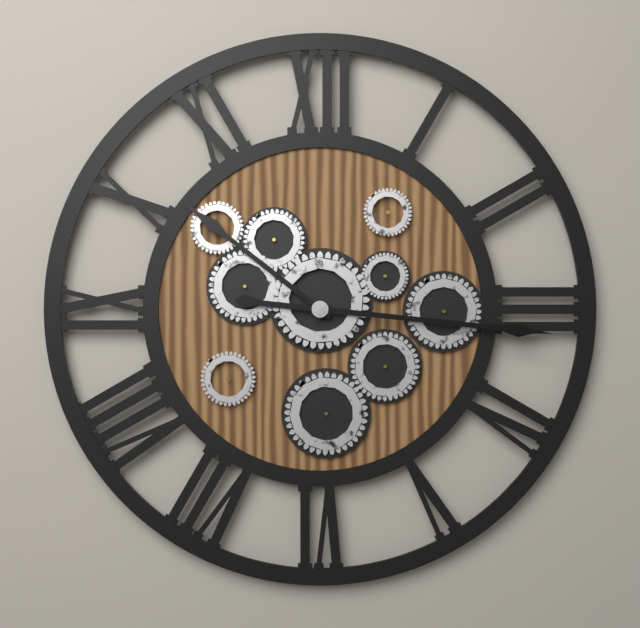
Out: {"hour": 10, "minute": 16}
